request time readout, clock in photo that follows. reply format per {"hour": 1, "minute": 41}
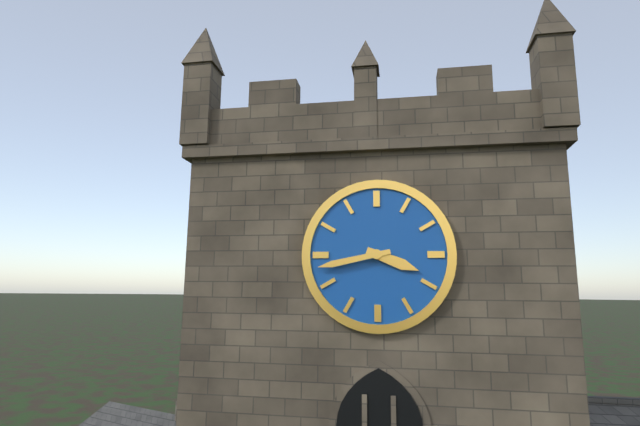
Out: {"hour": 3, "minute": 43}
